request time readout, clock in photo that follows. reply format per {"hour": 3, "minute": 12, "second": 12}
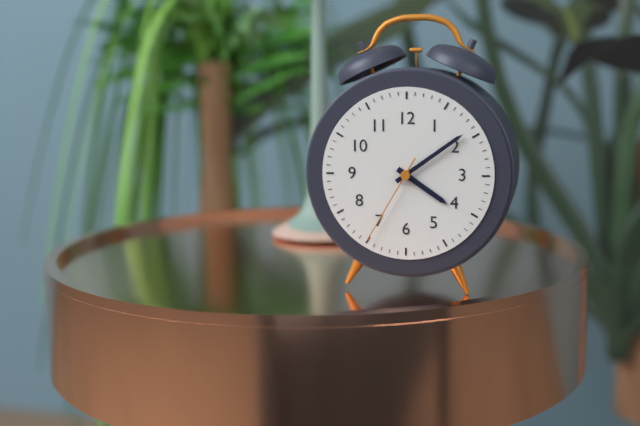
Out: {"hour": 4, "minute": 9, "second": 35}
